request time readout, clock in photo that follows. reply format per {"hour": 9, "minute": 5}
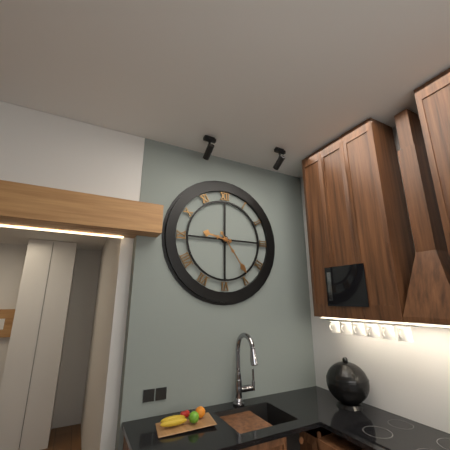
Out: {"hour": 9, "minute": 24}
